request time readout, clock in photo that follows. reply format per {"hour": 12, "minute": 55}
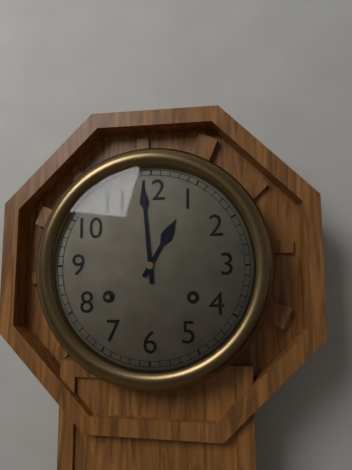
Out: {"hour": 12, "minute": 59}
